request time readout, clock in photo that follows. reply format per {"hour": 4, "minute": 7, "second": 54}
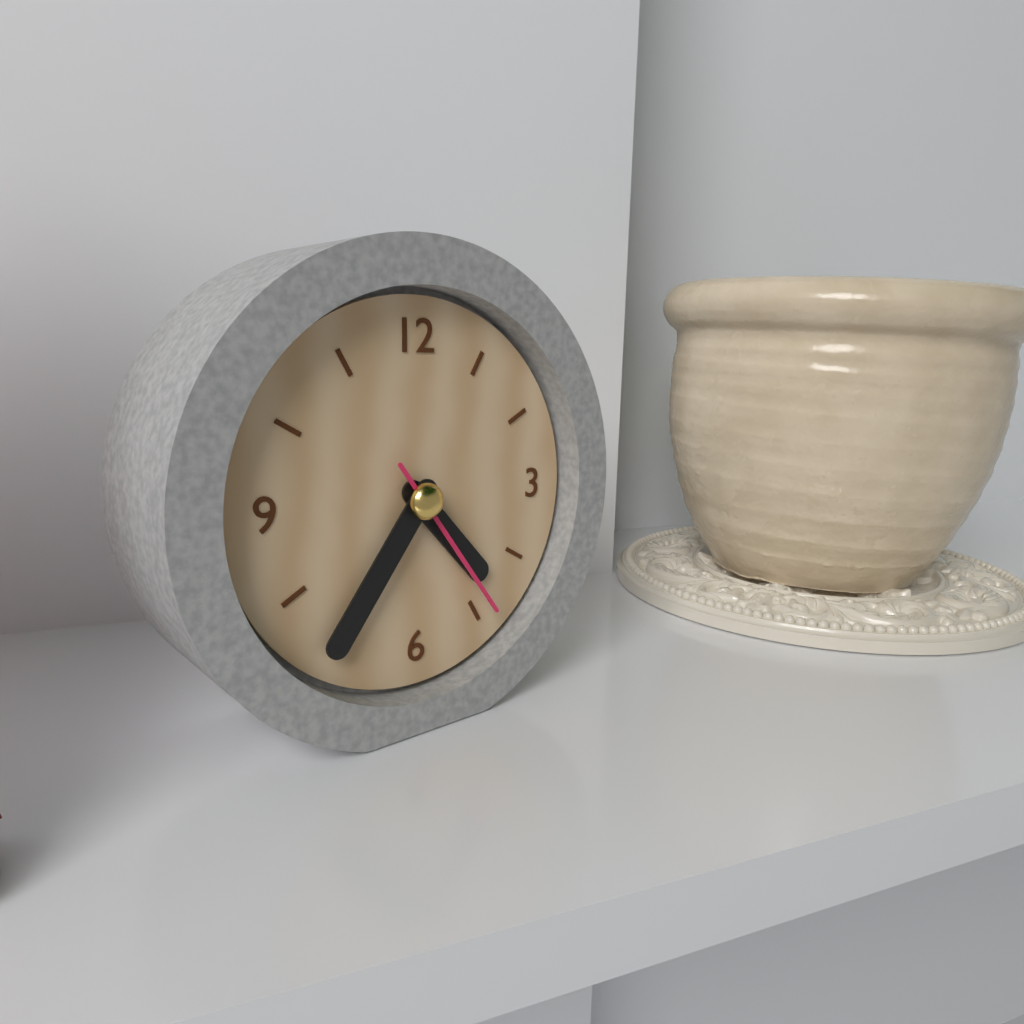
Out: {"hour": 4, "minute": 36, "second": 24}
